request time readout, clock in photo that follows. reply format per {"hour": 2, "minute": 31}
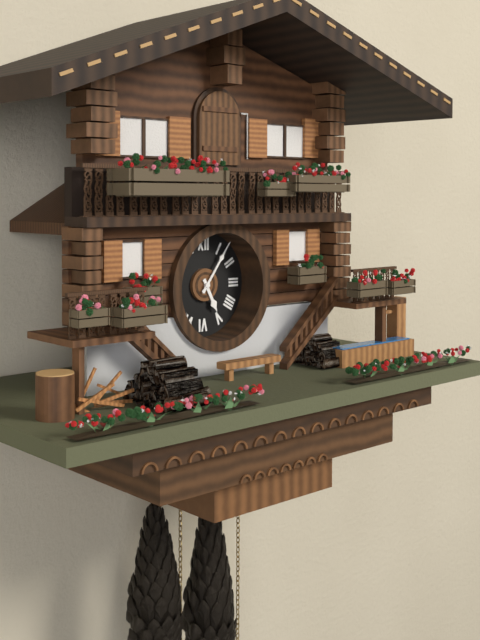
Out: {"hour": 5, "minute": 6}
